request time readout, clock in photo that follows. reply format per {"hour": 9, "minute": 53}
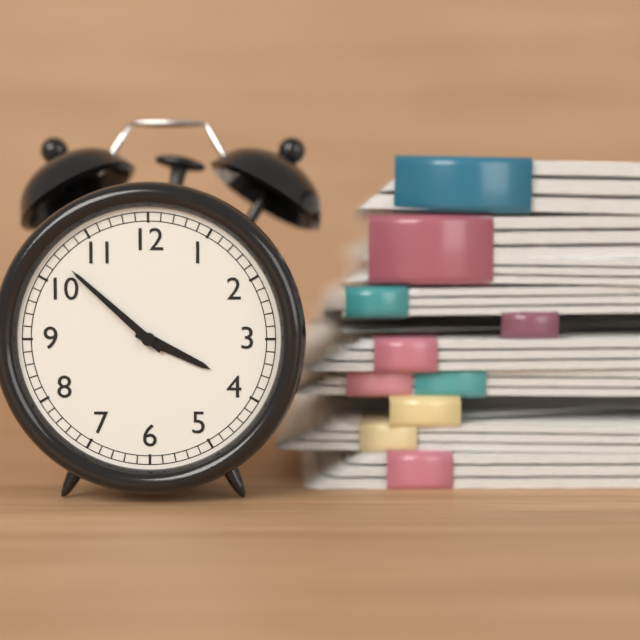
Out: {"hour": 3, "minute": 52}
